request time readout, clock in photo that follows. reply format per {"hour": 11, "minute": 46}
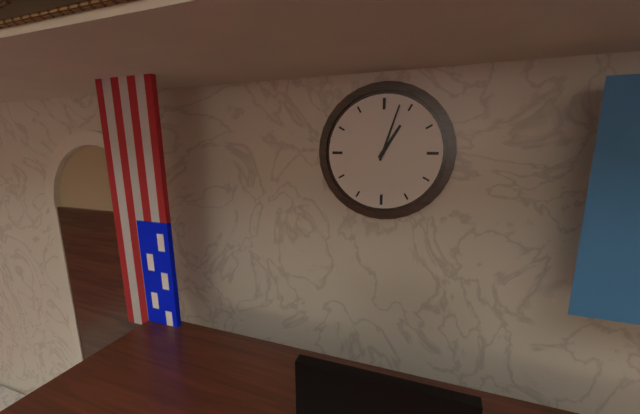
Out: {"hour": 1, "minute": 3}
